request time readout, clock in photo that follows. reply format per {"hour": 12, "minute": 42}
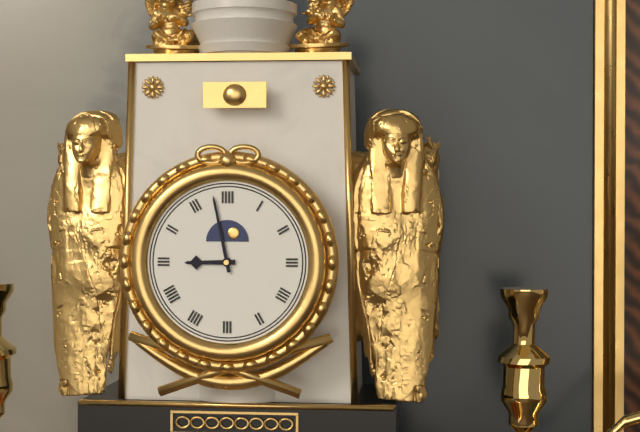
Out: {"hour": 8, "minute": 58}
